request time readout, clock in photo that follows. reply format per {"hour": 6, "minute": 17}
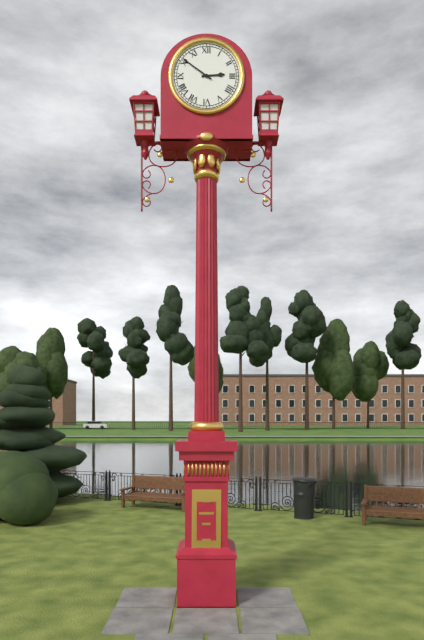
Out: {"hour": 2, "minute": 51}
